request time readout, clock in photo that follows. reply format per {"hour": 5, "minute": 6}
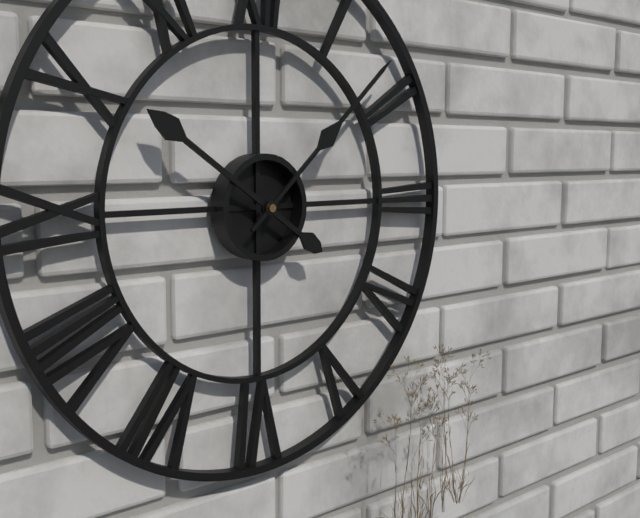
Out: {"hour": 10, "minute": 8}
